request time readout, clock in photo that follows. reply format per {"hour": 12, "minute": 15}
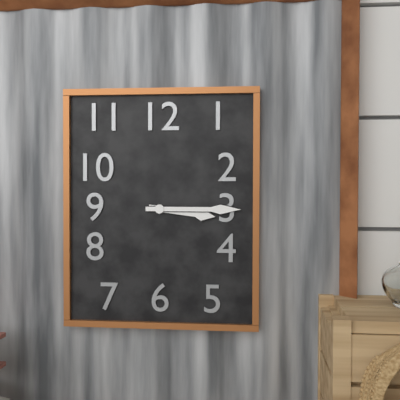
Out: {"hour": 3, "minute": 15}
